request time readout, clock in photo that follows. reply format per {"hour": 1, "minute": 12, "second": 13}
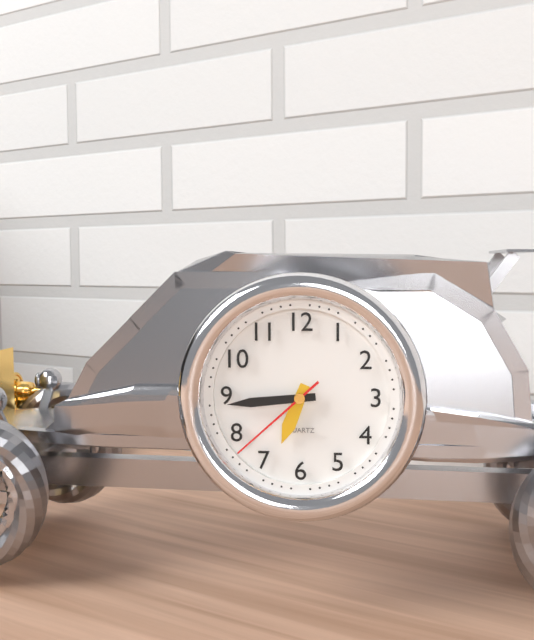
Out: {"hour": 6, "minute": 44, "second": 38}
